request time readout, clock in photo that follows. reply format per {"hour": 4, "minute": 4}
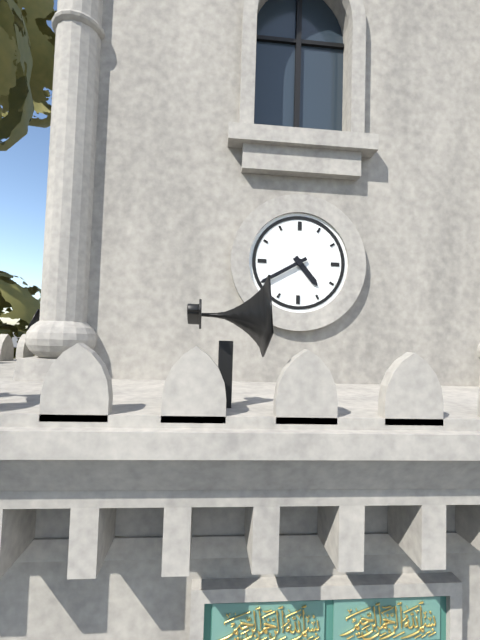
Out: {"hour": 4, "minute": 40}
